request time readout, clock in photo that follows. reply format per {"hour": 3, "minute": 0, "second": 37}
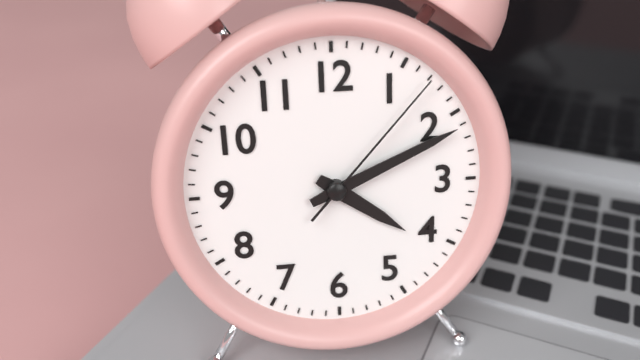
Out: {"hour": 4, "minute": 11, "second": 7}
